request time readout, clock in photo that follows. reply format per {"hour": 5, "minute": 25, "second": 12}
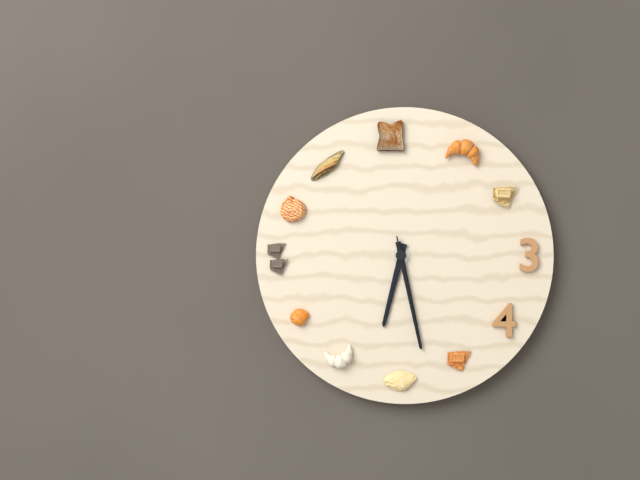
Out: {"hour": 6, "minute": 28, "second": 28}
